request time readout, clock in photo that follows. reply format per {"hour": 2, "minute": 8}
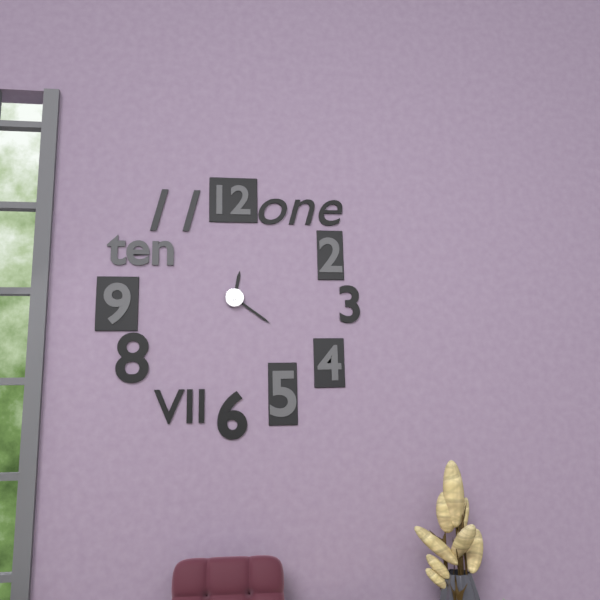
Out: {"hour": 12, "minute": 21}
